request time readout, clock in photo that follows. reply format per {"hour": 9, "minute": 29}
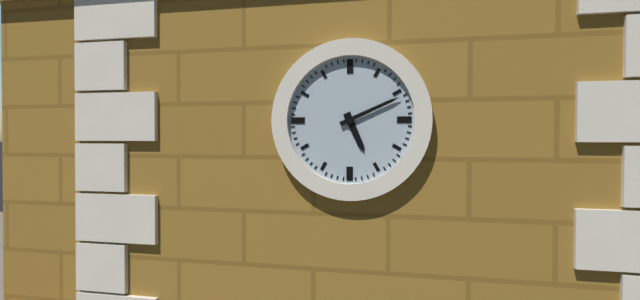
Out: {"hour": 5, "minute": 11}
